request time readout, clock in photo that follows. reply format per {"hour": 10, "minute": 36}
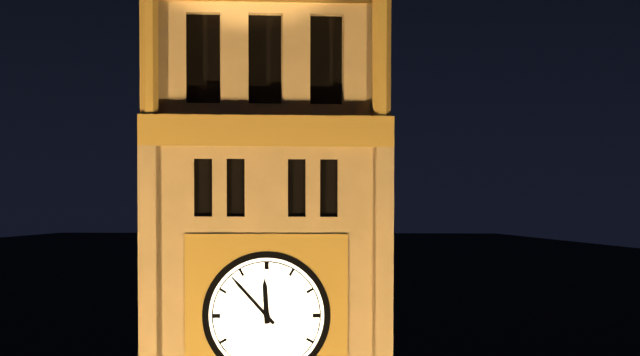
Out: {"hour": 11, "minute": 53}
